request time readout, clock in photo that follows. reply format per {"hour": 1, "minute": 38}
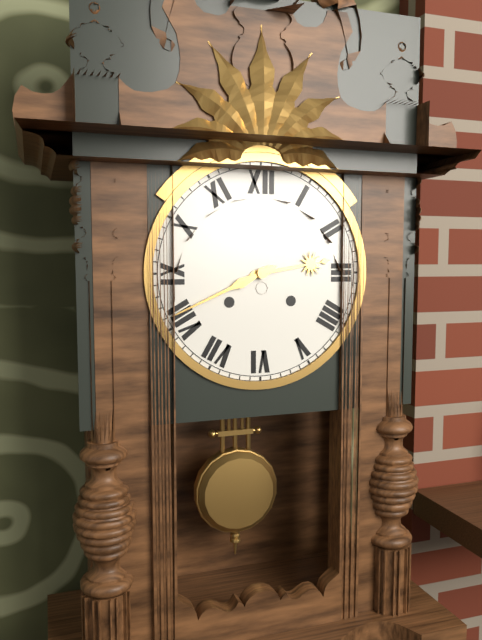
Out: {"hour": 2, "minute": 41}
